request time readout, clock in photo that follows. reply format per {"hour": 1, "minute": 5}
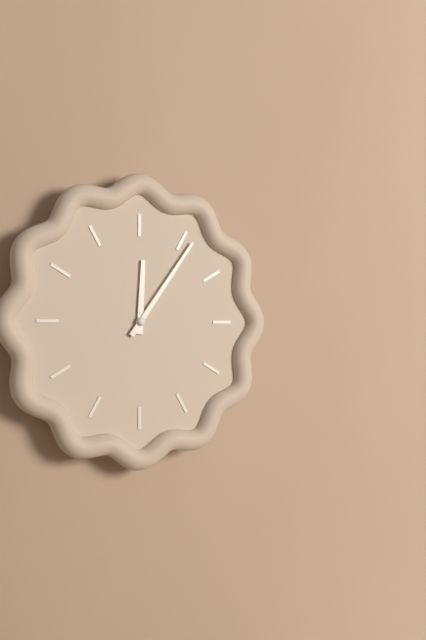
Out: {"hour": 12, "minute": 6}
